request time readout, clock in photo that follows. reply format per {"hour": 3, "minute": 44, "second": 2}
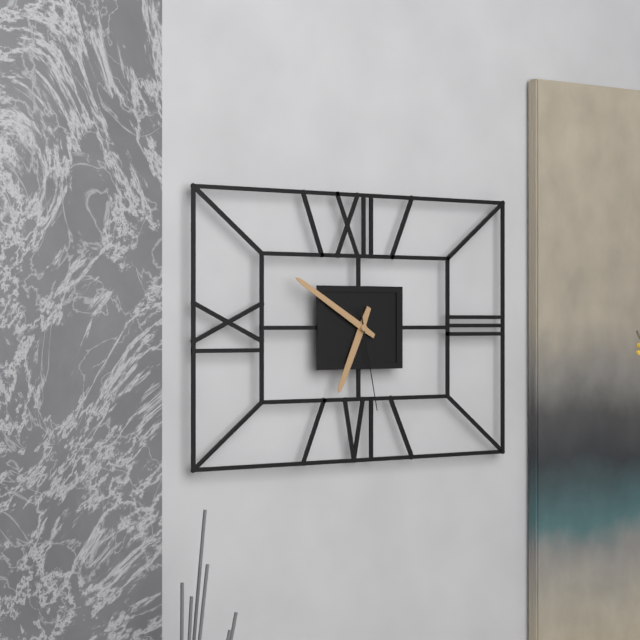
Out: {"hour": 6, "minute": 50, "second": 28}
